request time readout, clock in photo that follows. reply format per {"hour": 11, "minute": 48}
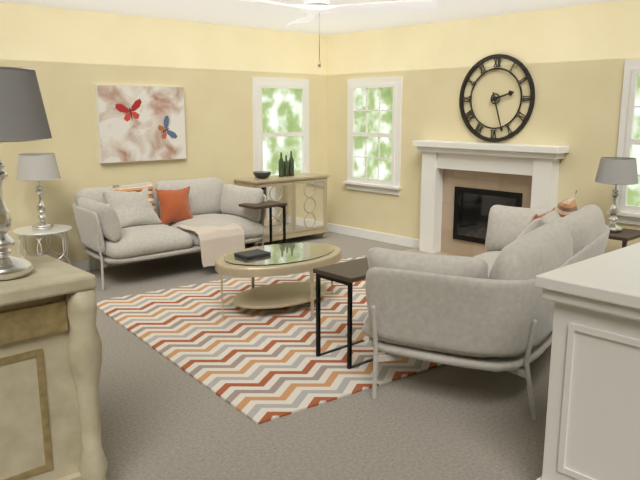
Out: {"hour": 2, "minute": 27}
